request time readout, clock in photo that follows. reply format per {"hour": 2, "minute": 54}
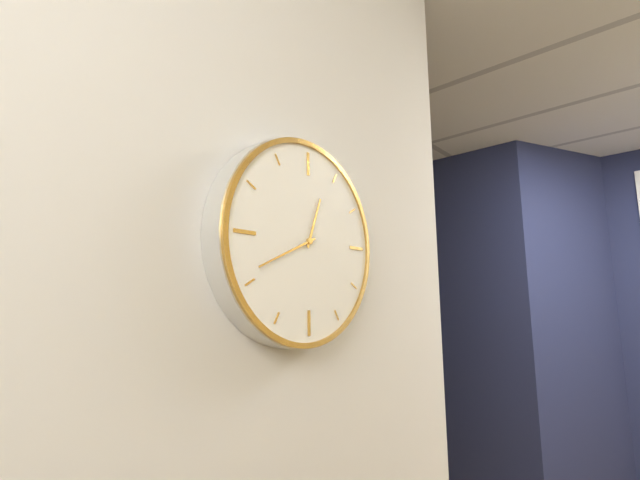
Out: {"hour": 12, "minute": 41}
